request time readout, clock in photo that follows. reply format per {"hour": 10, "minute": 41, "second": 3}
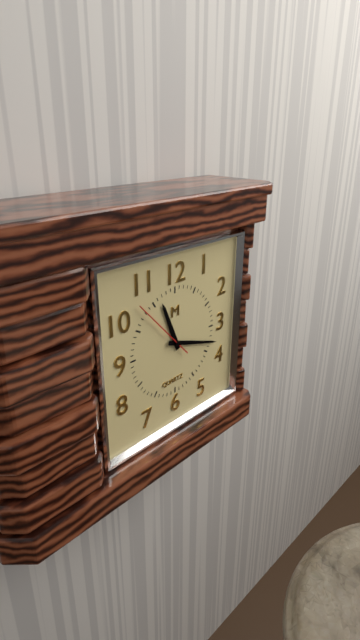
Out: {"hour": 11, "minute": 18, "second": 53}
